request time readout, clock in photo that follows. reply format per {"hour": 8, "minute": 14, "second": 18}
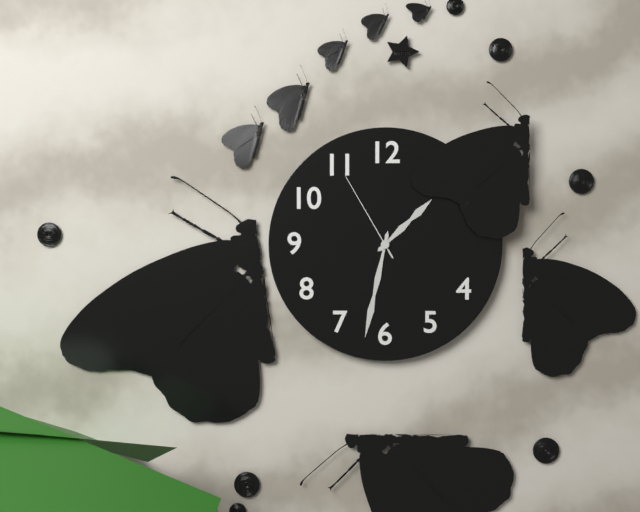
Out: {"hour": 1, "minute": 32, "second": 55}
